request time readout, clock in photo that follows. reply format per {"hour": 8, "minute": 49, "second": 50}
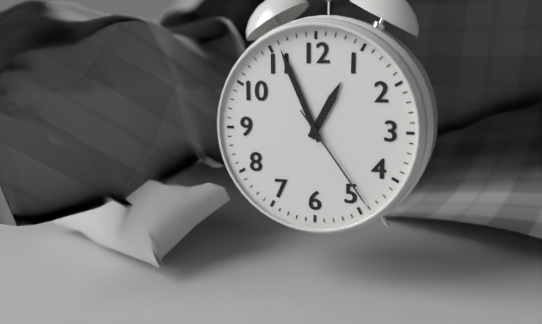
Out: {"hour": 12, "minute": 56, "second": 24}
